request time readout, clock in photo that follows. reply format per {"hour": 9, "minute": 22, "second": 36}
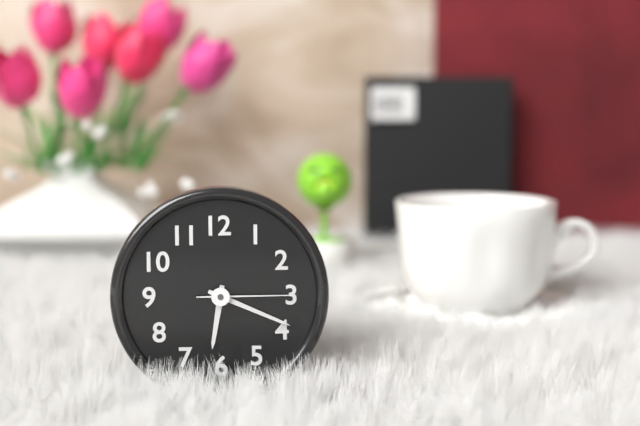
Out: {"hour": 6, "minute": 19, "second": 15}
